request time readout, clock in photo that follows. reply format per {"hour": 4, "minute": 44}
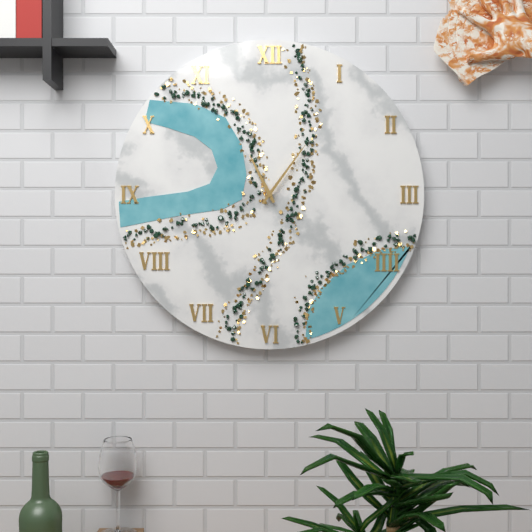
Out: {"hour": 11, "minute": 6}
